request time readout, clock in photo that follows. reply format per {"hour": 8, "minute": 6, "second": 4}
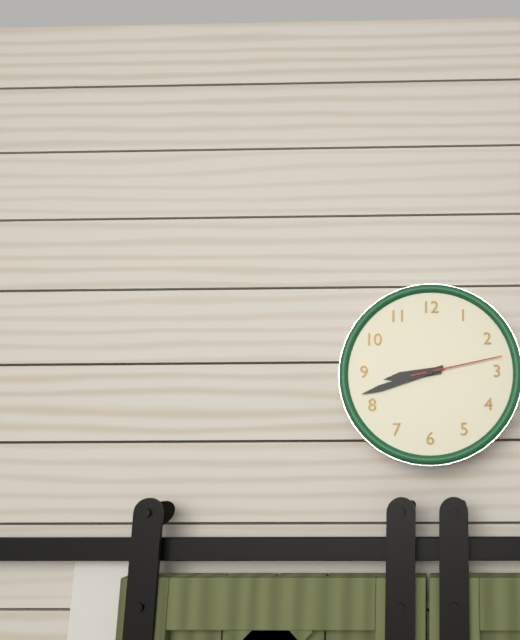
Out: {"hour": 8, "minute": 42, "second": 13}
